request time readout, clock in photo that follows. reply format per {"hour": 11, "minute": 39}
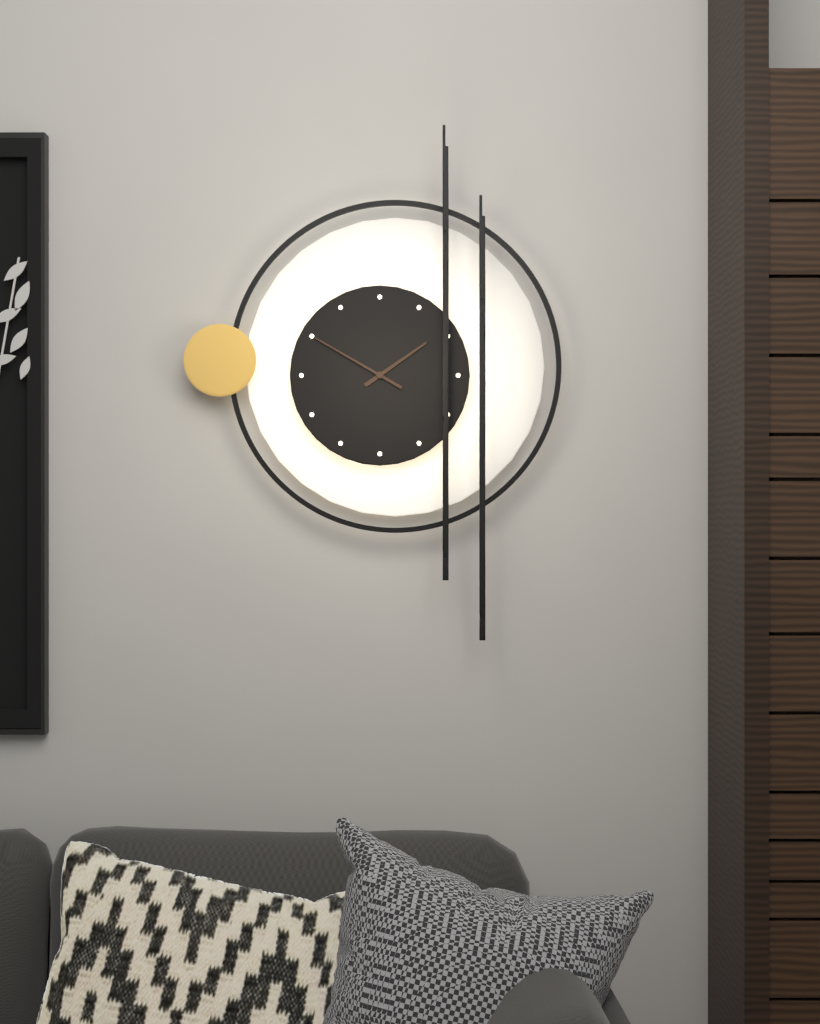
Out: {"hour": 1, "minute": 50}
